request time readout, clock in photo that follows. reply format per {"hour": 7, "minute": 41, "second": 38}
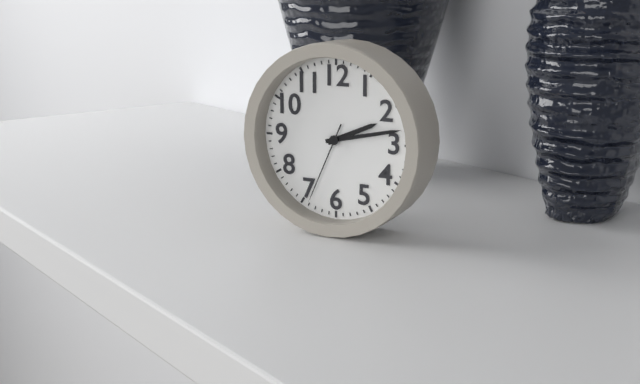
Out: {"hour": 2, "minute": 13, "second": 34}
